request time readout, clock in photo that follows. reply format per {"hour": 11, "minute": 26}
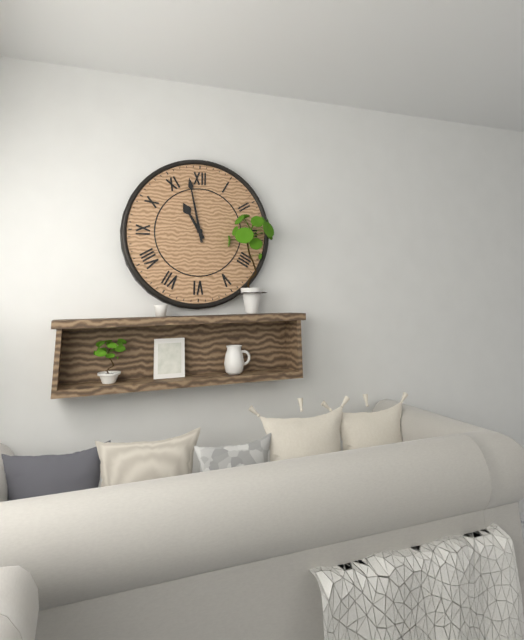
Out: {"hour": 10, "minute": 58}
